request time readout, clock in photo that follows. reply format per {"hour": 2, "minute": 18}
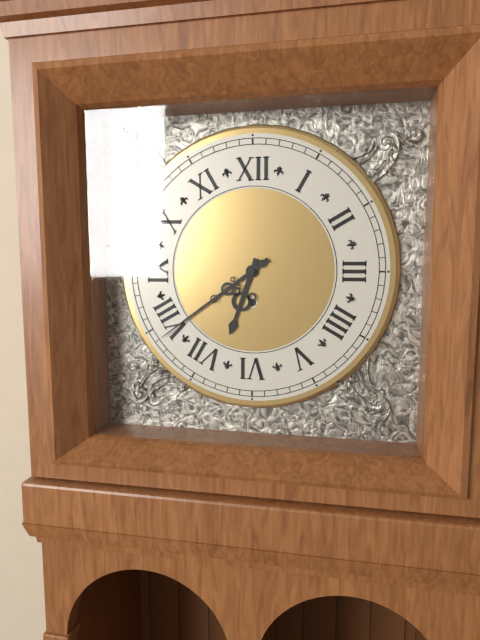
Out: {"hour": 6, "minute": 39}
